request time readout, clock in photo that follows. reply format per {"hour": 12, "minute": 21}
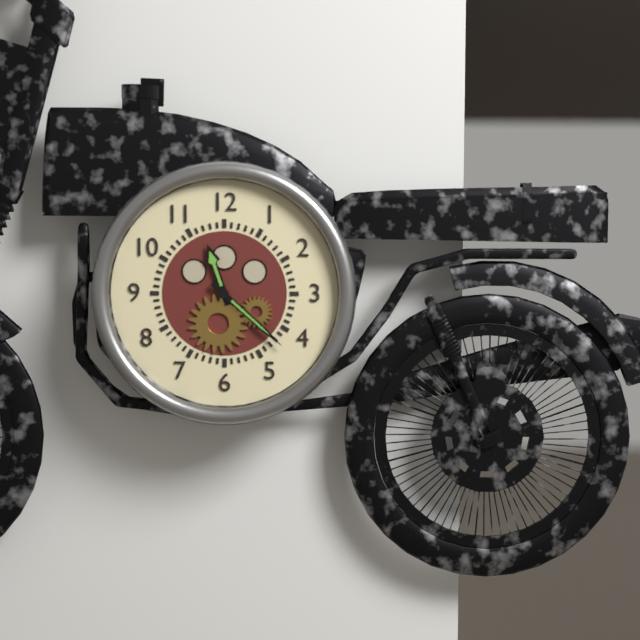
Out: {"hour": 11, "minute": 22}
